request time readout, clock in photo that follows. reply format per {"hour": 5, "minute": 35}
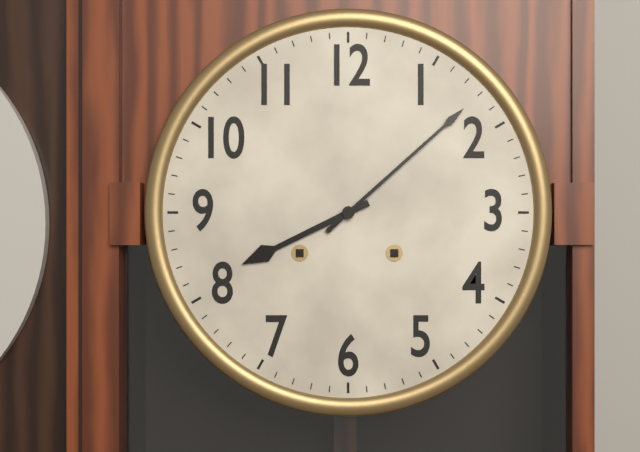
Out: {"hour": 8, "minute": 8}
